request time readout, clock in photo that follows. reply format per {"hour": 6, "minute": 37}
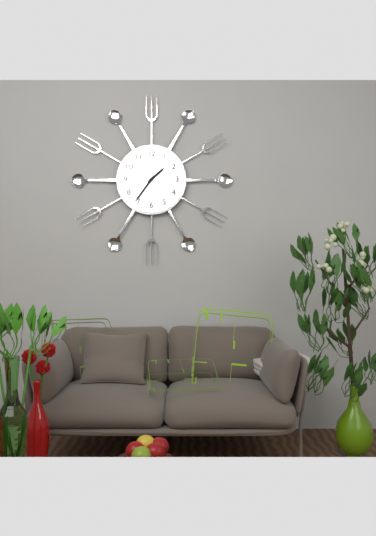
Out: {"hour": 1, "minute": 36}
